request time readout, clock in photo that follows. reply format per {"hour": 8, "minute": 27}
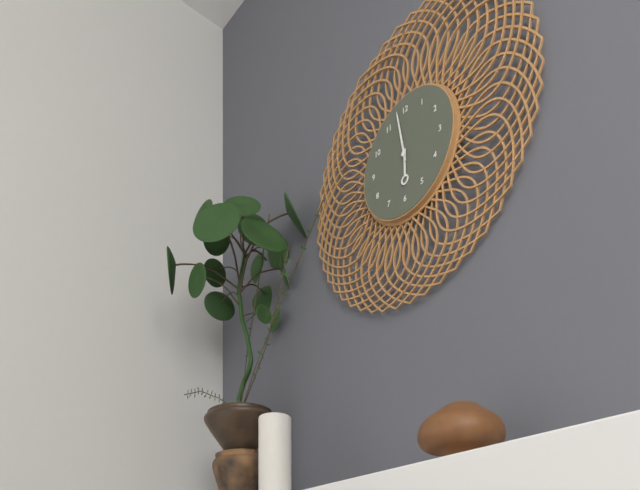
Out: {"hour": 5, "minute": 58}
